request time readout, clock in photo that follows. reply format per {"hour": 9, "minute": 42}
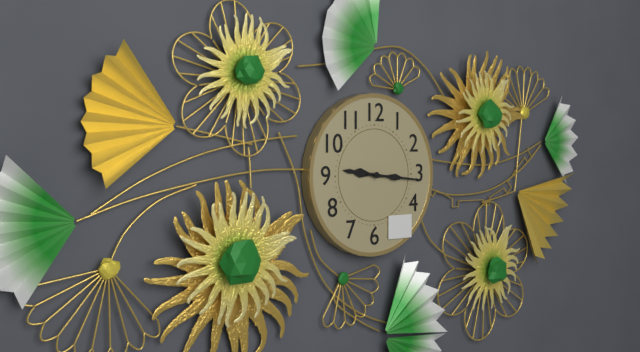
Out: {"hour": 9, "minute": 16}
